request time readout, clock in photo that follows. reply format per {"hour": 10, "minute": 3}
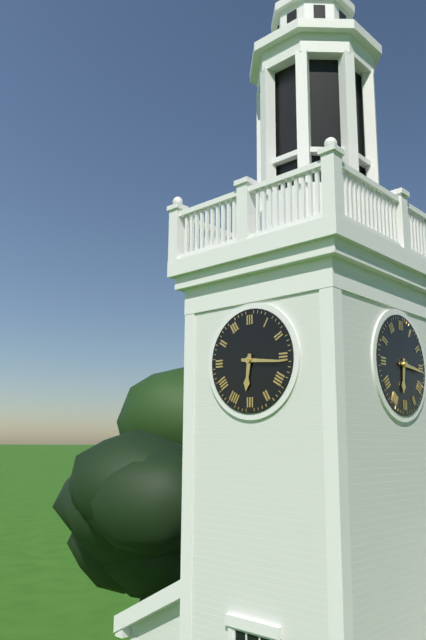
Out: {"hour": 6, "minute": 16}
